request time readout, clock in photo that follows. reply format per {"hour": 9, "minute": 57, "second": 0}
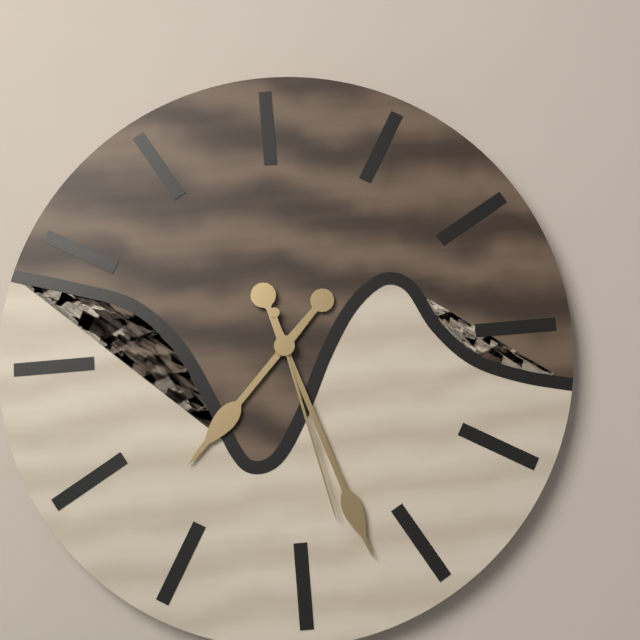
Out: {"hour": 7, "minute": 27, "second": 28}
